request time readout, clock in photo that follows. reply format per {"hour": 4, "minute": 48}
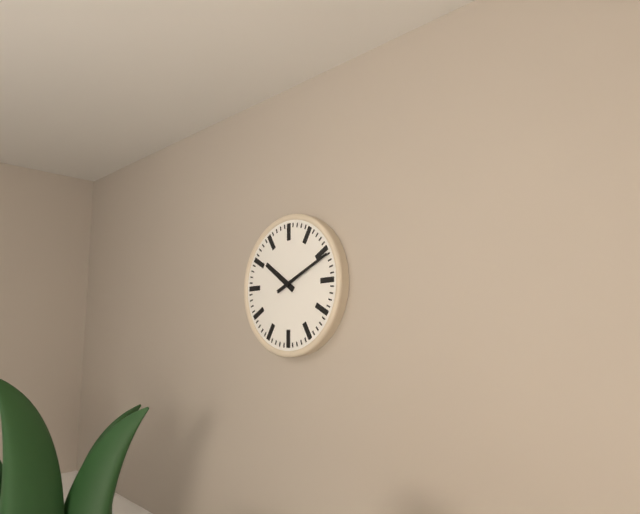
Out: {"hour": 10, "minute": 11}
